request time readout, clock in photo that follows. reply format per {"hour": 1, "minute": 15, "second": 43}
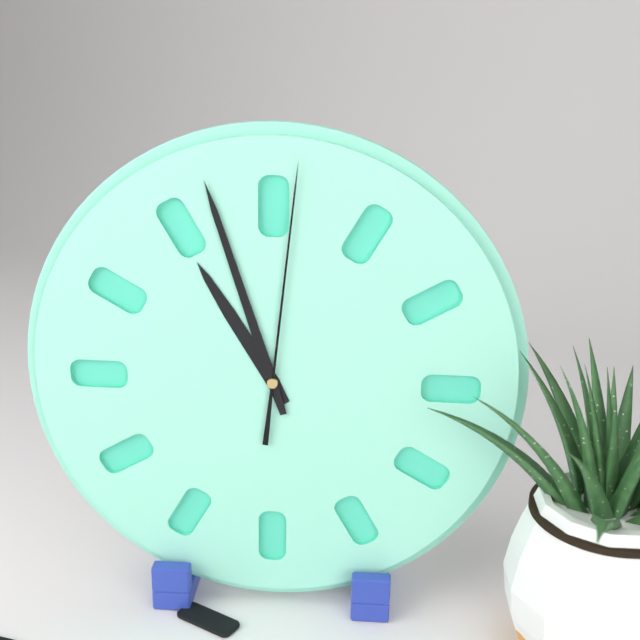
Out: {"hour": 10, "minute": 57, "second": 1}
